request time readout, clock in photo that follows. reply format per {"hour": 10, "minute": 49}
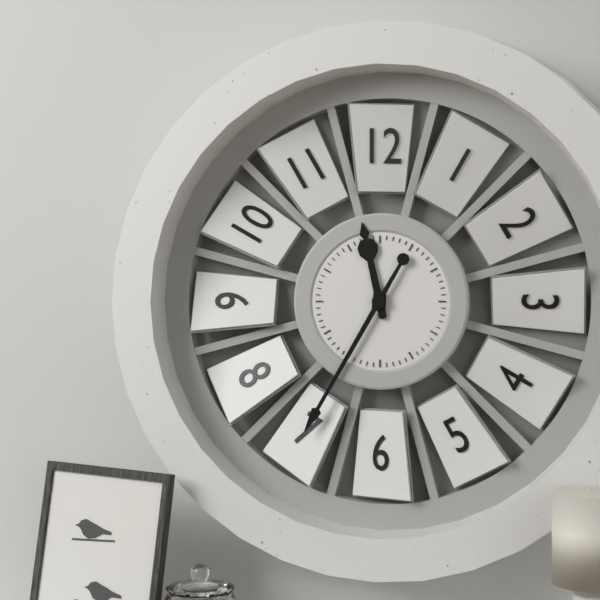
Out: {"hour": 11, "minute": 35}
